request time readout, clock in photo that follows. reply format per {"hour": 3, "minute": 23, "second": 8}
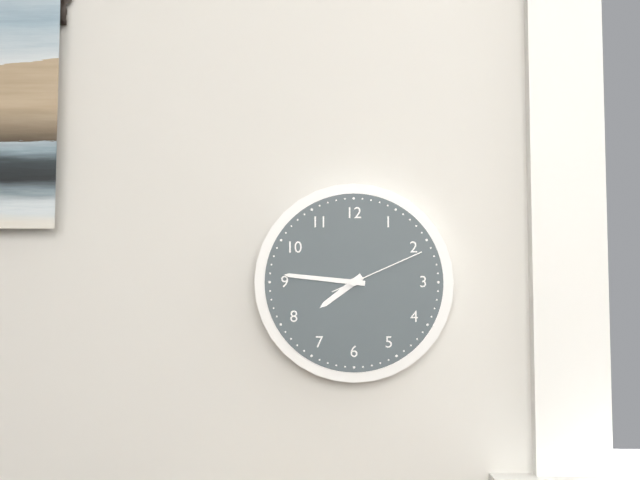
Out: {"hour": 7, "minute": 46, "second": 11}
